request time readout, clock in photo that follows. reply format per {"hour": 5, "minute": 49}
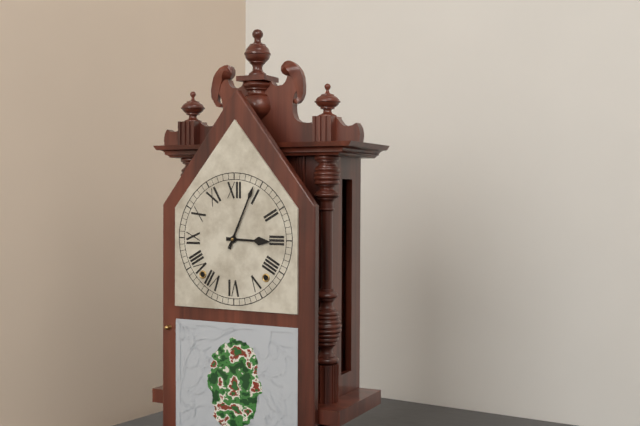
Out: {"hour": 3, "minute": 4}
